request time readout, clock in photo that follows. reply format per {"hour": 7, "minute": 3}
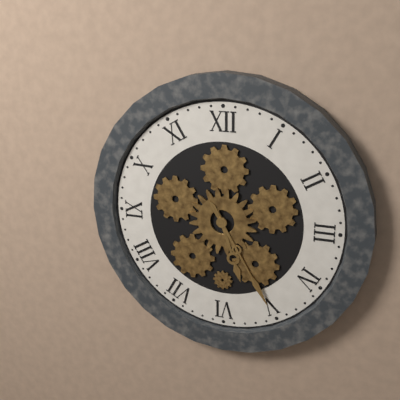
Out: {"hour": 5, "minute": 25}
